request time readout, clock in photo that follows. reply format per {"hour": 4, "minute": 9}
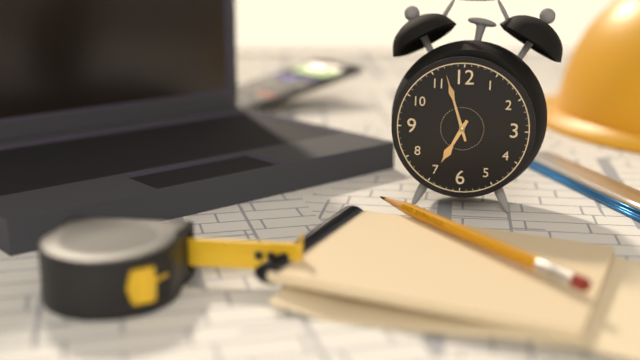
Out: {"hour": 6, "minute": 57}
